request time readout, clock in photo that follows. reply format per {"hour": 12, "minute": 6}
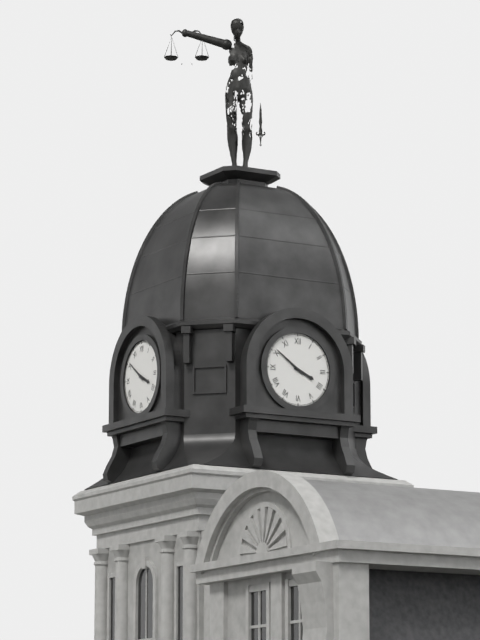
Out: {"hour": 3, "minute": 51}
